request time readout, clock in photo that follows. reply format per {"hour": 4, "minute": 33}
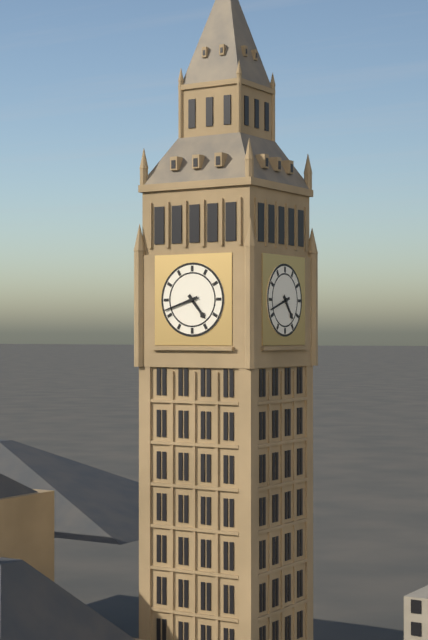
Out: {"hour": 4, "minute": 42}
